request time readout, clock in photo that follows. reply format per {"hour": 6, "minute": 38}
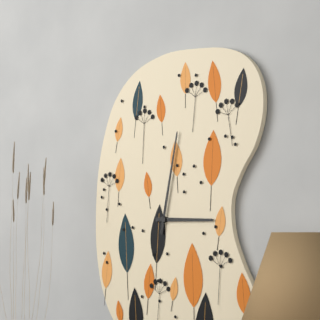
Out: {"hour": 3, "minute": 2}
